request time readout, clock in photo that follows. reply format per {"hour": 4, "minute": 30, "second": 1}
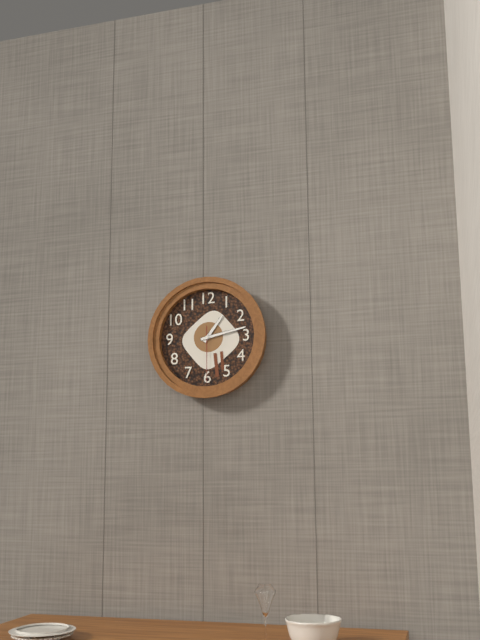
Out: {"hour": 1, "minute": 13, "second": 30}
